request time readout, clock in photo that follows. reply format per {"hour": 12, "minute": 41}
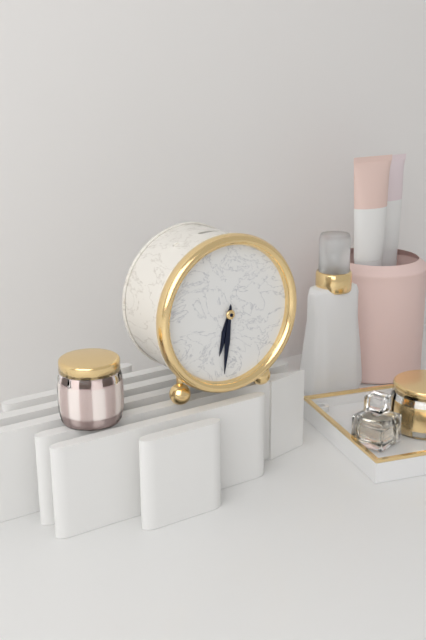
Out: {"hour": 6, "minute": 31}
